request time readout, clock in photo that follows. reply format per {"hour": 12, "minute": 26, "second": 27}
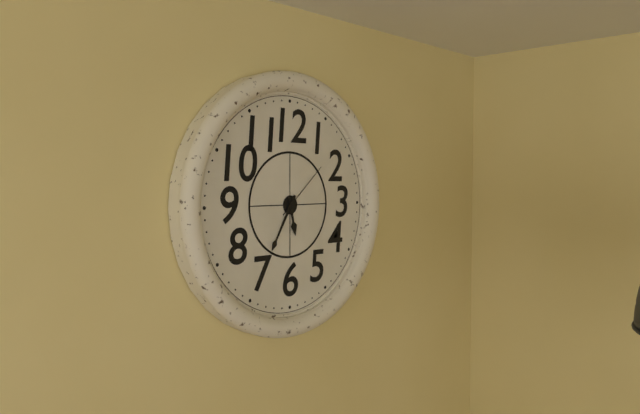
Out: {"hour": 5, "minute": 35, "second": 8}
